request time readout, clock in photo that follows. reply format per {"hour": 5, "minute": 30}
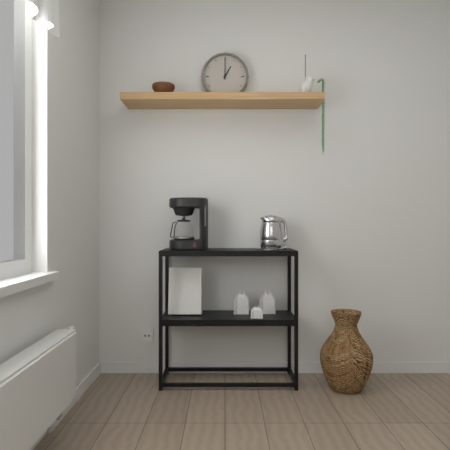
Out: {"hour": 1, "minute": 0}
